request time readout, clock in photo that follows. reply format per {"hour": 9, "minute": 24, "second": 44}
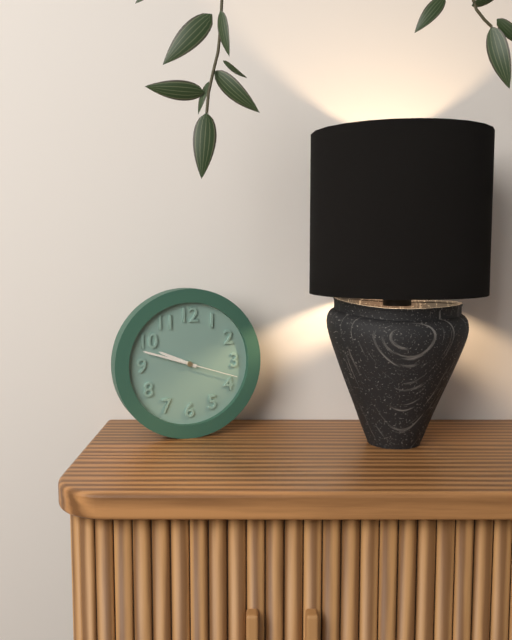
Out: {"hour": 9, "minute": 48, "second": 18}
